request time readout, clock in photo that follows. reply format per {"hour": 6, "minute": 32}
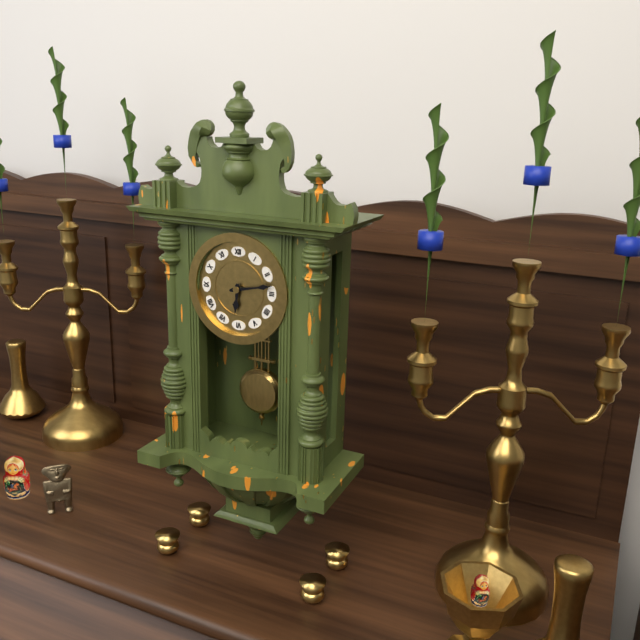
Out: {"hour": 6, "minute": 13}
